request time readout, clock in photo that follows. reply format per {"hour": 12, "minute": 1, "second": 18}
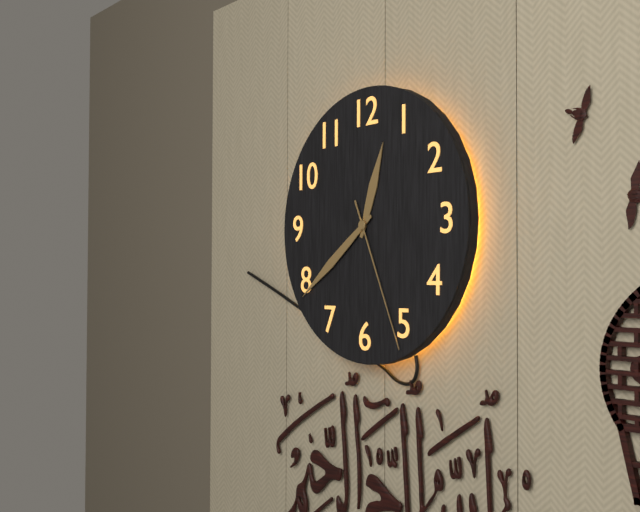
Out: {"hour": 12, "minute": 39, "second": 26}
